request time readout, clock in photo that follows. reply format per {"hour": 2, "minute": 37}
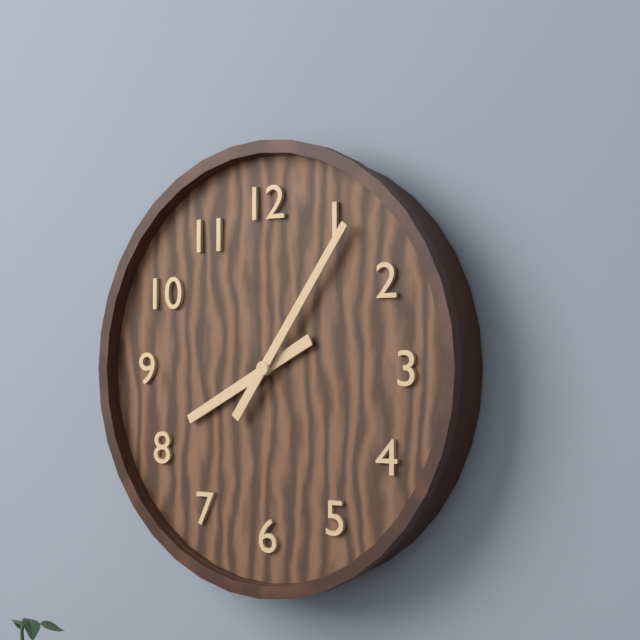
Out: {"hour": 8, "minute": 6}
